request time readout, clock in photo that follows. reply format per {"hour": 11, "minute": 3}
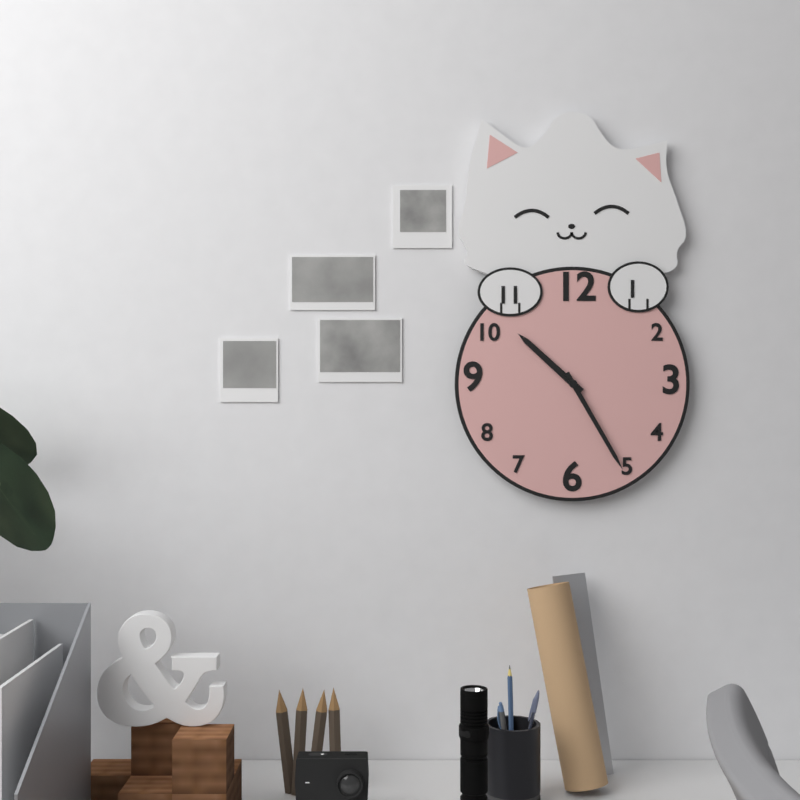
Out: {"hour": 10, "minute": 25}
